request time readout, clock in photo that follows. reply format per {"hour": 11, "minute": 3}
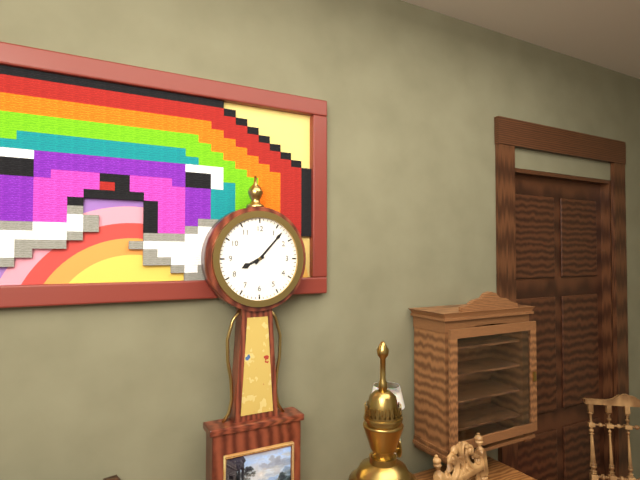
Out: {"hour": 8, "minute": 7}
